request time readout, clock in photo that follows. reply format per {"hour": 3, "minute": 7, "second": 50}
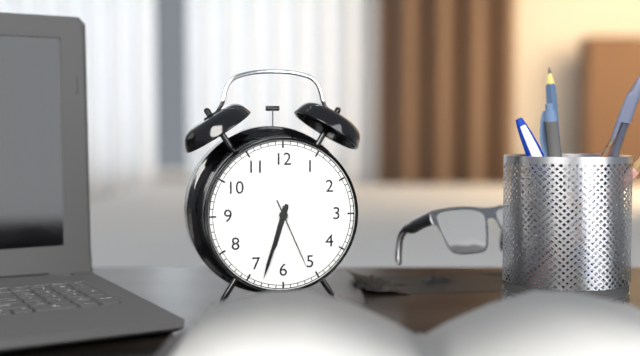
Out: {"hour": 6, "minute": 33, "second": 26}
